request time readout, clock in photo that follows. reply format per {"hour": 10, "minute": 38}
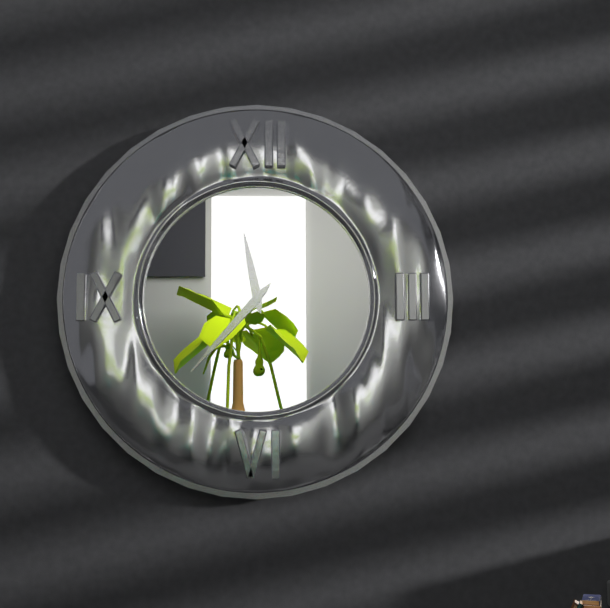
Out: {"hour": 11, "minute": 37}
